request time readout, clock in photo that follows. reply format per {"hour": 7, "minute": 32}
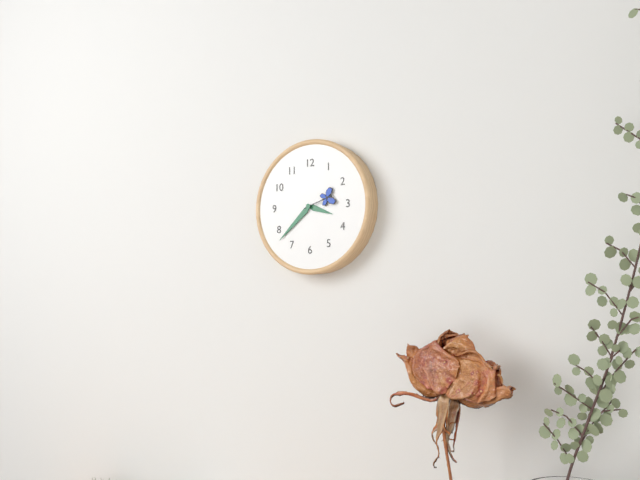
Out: {"hour": 3, "minute": 38}
